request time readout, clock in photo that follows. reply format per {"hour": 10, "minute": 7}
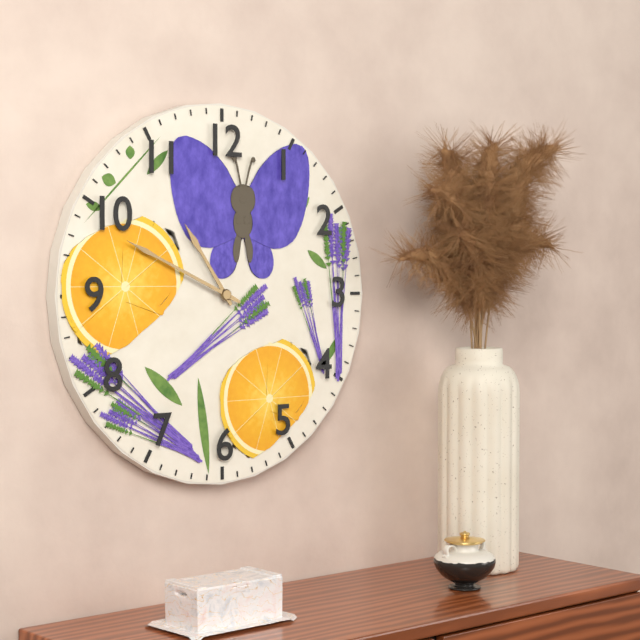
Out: {"hour": 10, "minute": 49}
